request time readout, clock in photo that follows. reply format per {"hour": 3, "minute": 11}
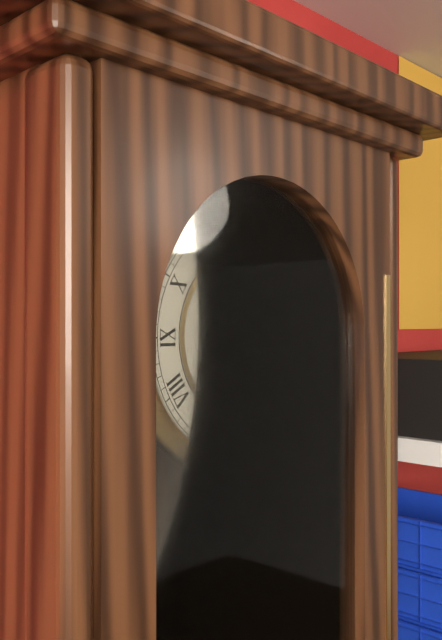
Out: {"hour": 10, "minute": 56}
